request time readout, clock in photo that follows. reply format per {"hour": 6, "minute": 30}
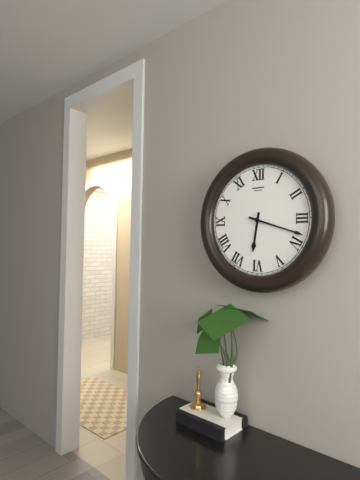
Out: {"hour": 6, "minute": 18}
